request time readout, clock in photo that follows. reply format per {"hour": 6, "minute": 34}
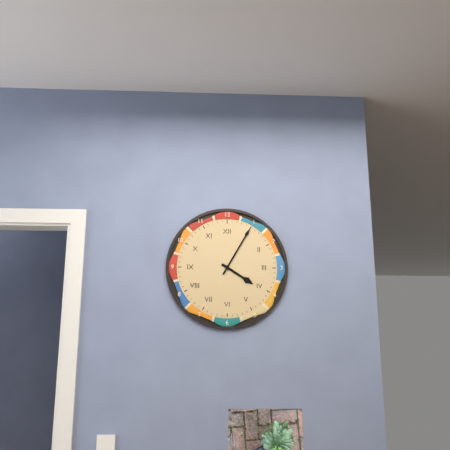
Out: {"hour": 4, "minute": 5}
